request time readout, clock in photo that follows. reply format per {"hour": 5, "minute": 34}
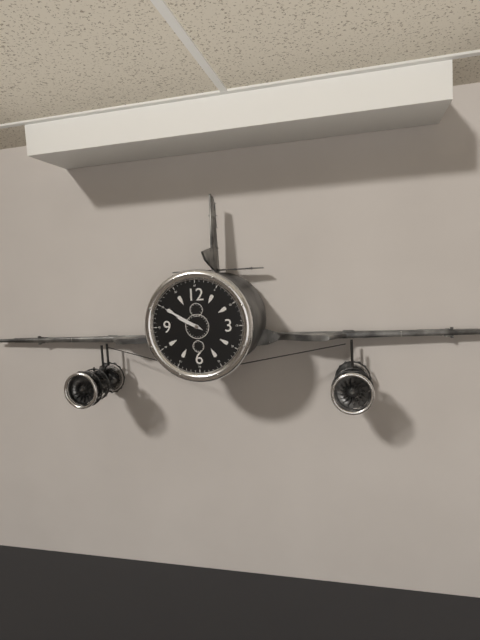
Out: {"hour": 9, "minute": 50}
